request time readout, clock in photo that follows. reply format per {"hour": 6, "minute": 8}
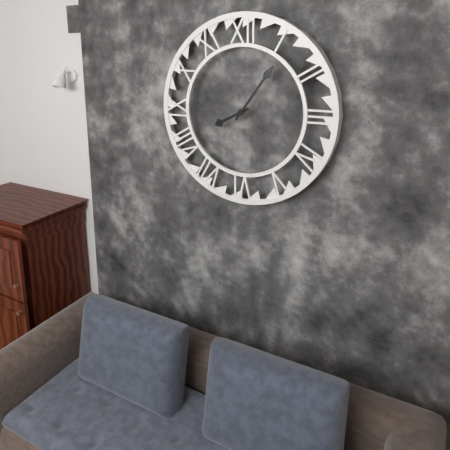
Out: {"hour": 8, "minute": 6}
